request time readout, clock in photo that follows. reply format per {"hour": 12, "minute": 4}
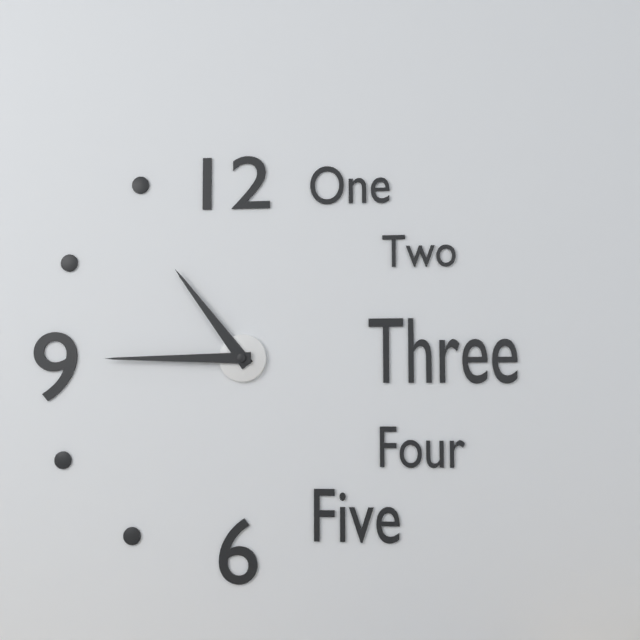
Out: {"hour": 10, "minute": 45}
